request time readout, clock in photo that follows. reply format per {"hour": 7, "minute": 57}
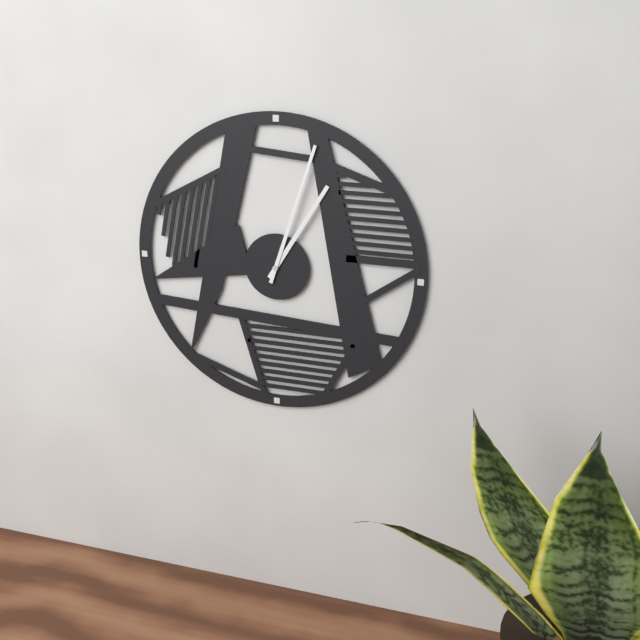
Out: {"hour": 1, "minute": 3}
